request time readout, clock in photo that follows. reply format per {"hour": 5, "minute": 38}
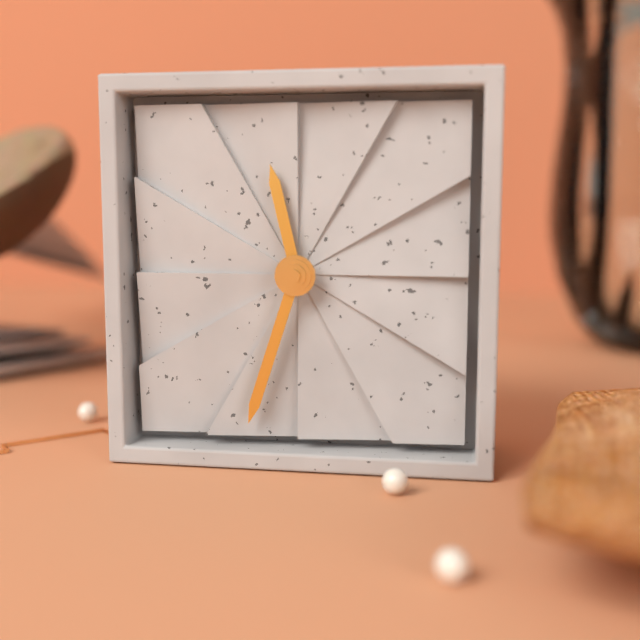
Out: {"hour": 11, "minute": 33}
